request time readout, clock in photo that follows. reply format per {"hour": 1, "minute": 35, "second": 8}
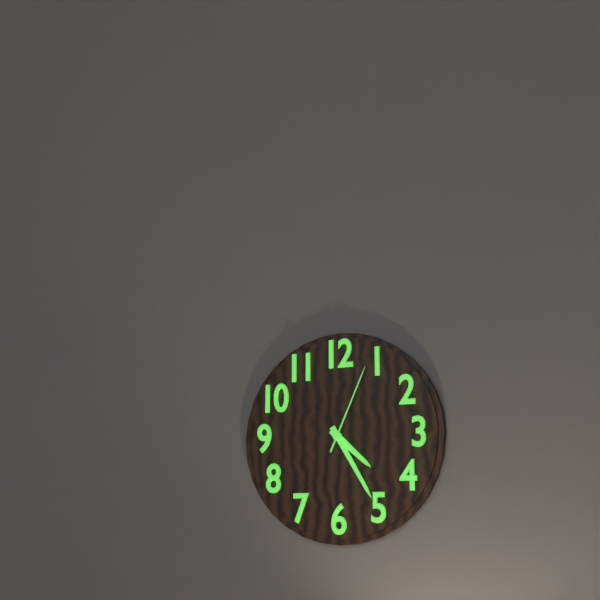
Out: {"hour": 4, "minute": 25, "second": 4}
